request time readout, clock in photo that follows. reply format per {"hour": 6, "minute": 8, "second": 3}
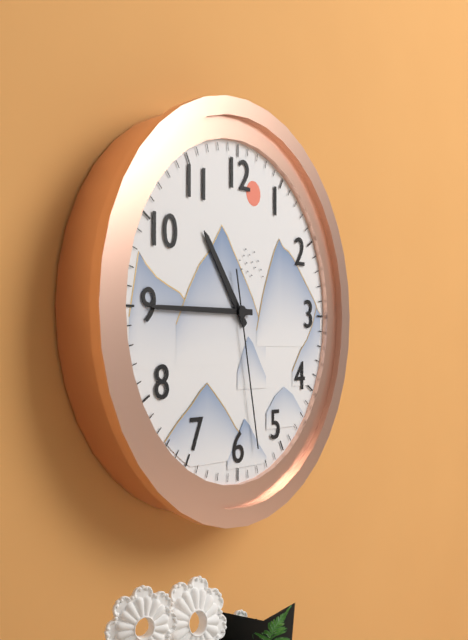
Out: {"hour": 10, "minute": 45, "second": 28}
